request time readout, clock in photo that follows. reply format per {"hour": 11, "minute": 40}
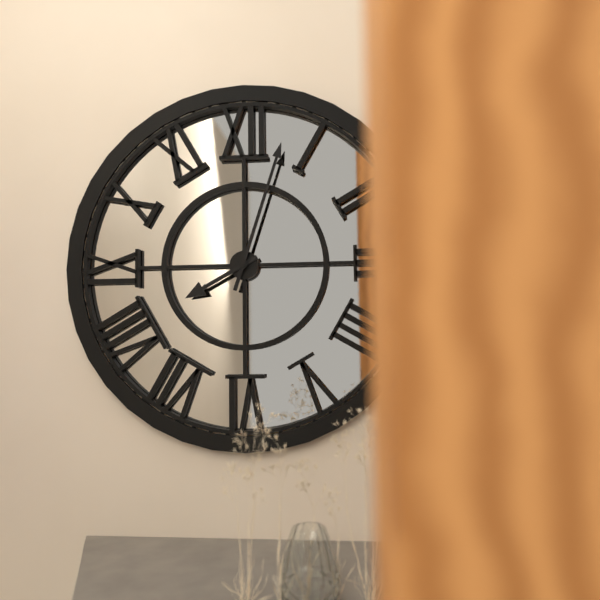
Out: {"hour": 8, "minute": 3}
